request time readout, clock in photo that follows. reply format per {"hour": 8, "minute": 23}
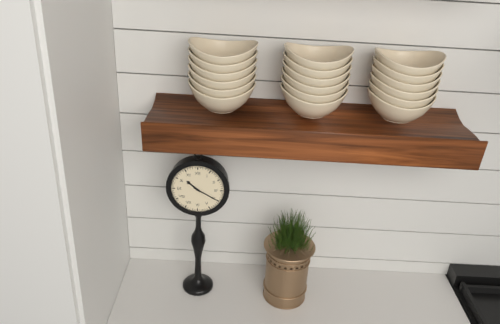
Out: {"hour": 10, "minute": 20}
